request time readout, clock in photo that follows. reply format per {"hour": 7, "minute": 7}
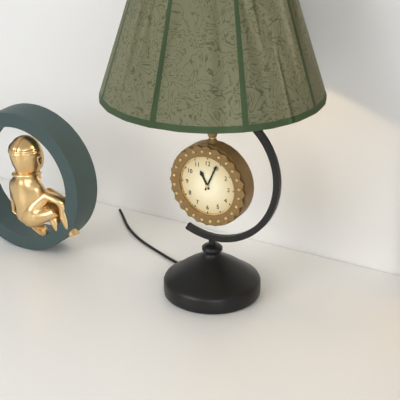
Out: {"hour": 11, "minute": 4}
